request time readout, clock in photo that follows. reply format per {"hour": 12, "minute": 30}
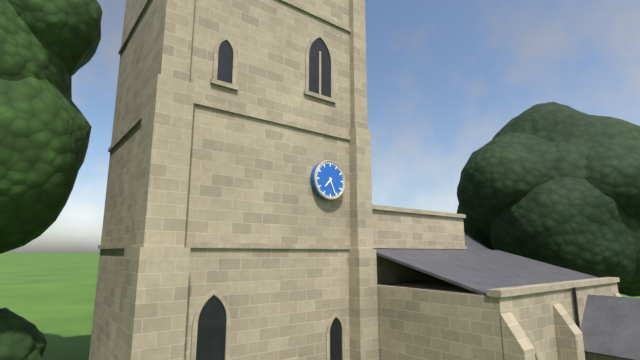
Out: {"hour": 7, "minute": 26}
